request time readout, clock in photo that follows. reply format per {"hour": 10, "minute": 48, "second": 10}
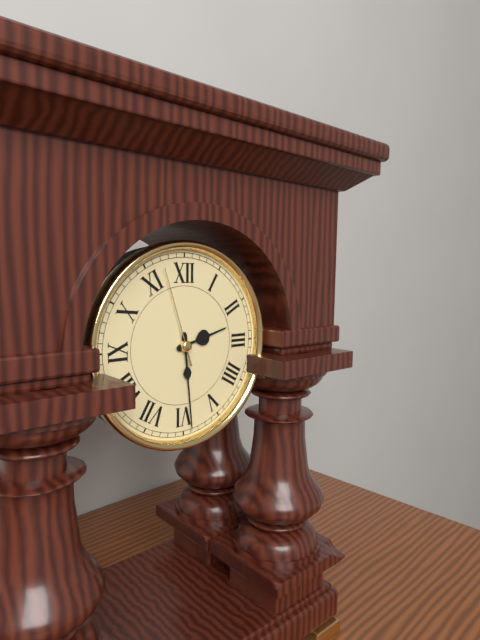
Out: {"hour": 2, "minute": 29, "second": 57}
